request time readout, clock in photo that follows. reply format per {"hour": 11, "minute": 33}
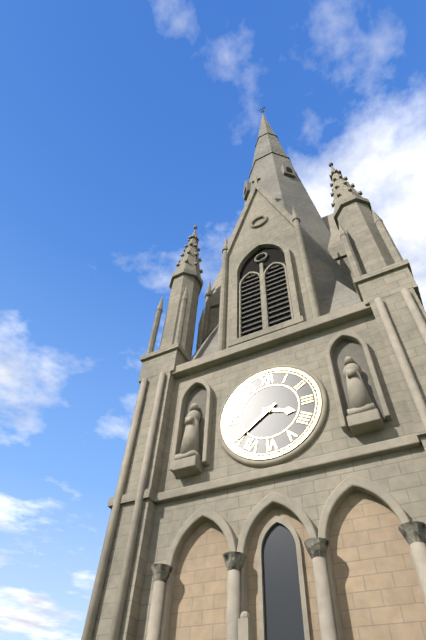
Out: {"hour": 3, "minute": 39}
